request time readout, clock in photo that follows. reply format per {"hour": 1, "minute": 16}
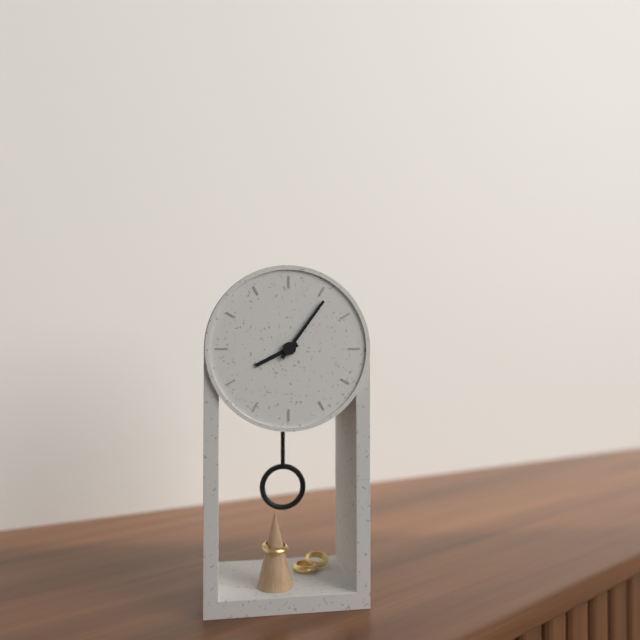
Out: {"hour": 8, "minute": 6}
